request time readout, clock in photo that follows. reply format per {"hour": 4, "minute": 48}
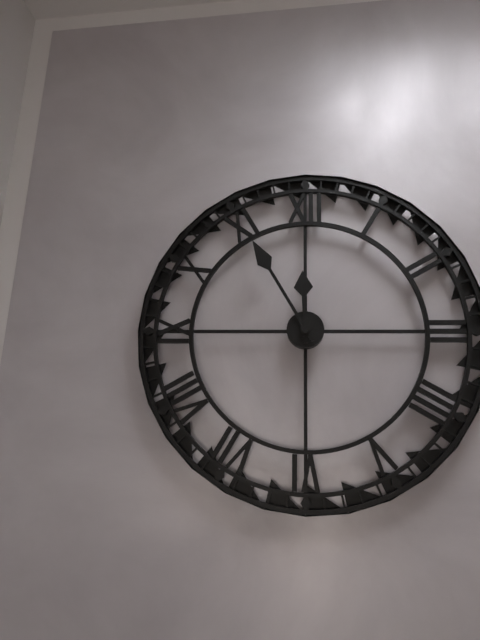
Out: {"hour": 11, "minute": 55}
